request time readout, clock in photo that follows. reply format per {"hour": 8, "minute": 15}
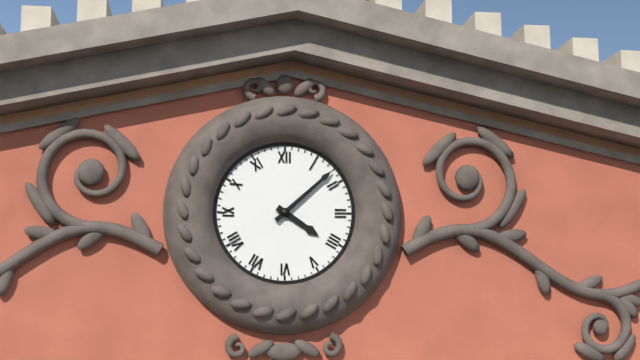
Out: {"hour": 4, "minute": 8}
